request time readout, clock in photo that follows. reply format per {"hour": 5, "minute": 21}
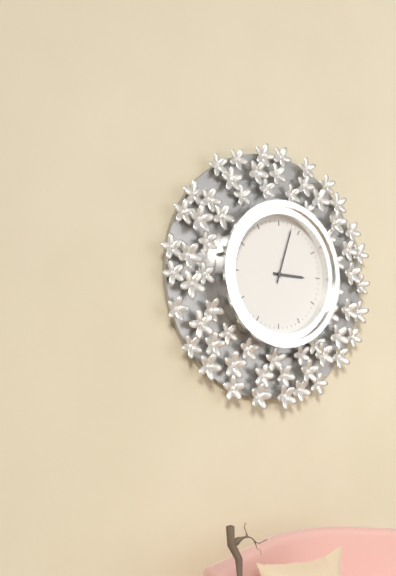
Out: {"hour": 3, "minute": 3}
